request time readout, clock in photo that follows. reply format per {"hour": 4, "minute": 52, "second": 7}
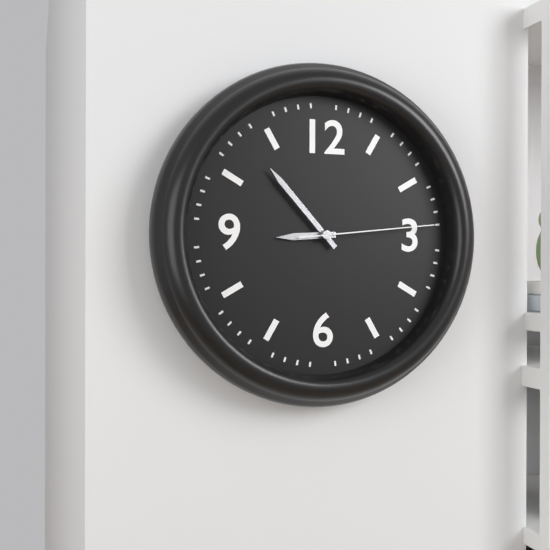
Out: {"hour": 8, "minute": 53, "second": 14}
